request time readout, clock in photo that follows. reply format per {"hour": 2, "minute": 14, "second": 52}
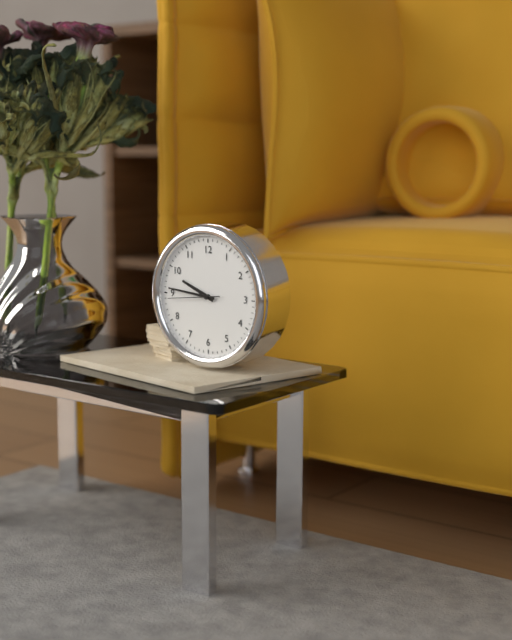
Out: {"hour": 9, "minute": 46, "second": 44}
